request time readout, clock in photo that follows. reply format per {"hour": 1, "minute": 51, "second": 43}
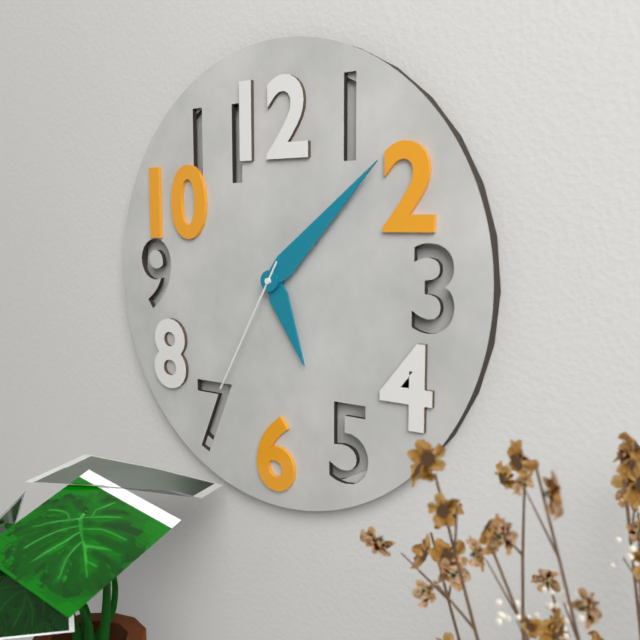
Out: {"hour": 5, "minute": 8, "second": 35}
